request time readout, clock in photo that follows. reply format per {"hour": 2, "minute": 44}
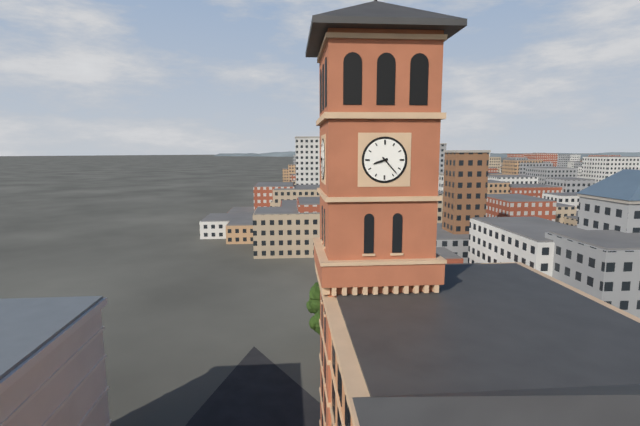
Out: {"hour": 8, "minute": 23}
